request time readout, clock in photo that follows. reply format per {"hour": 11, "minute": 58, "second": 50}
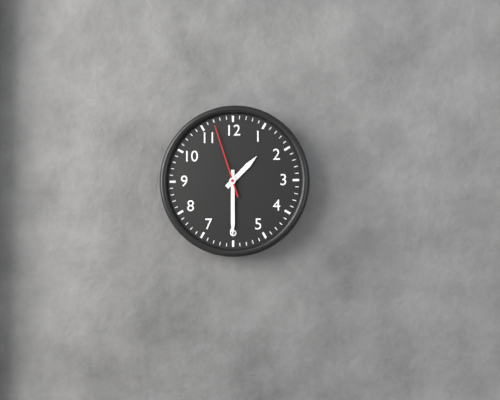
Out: {"hour": 1, "minute": 30, "second": 57}
